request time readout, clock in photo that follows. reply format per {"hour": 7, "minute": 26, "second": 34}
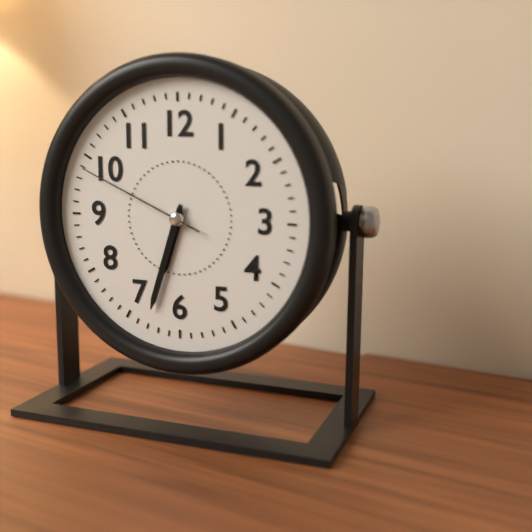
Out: {"hour": 6, "minute": 33, "second": 49}
